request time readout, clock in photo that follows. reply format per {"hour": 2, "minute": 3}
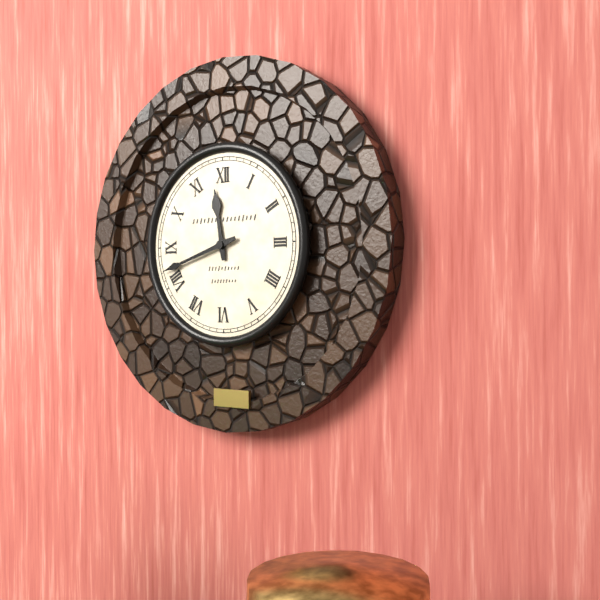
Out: {"hour": 11, "minute": 42}
